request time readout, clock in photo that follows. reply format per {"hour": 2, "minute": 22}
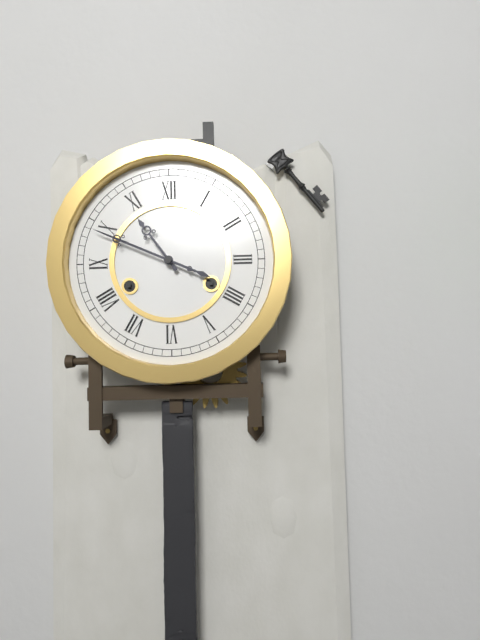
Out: {"hour": 10, "minute": 49}
